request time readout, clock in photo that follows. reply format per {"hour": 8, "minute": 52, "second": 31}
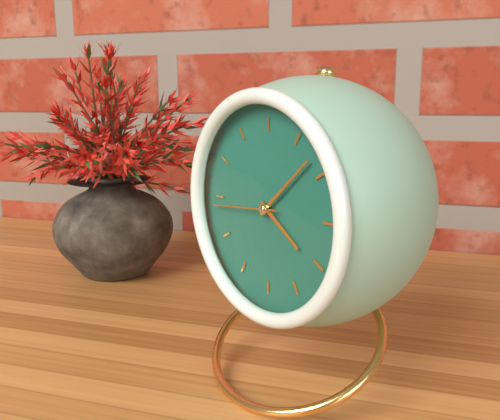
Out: {"hour": 4, "minute": 8, "second": 44}
